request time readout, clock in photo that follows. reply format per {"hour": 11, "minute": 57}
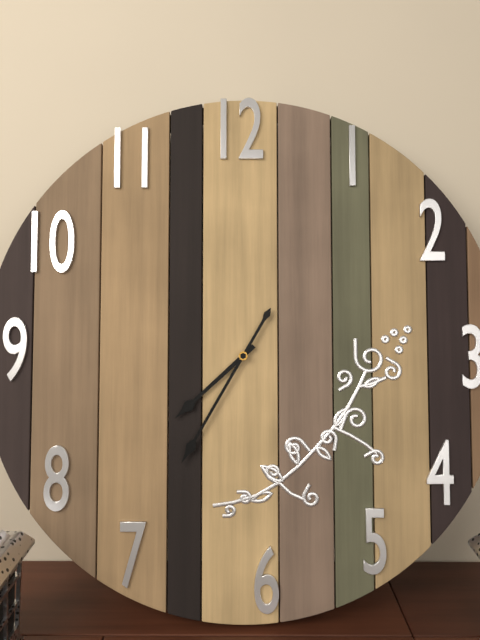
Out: {"hour": 7, "minute": 35}
